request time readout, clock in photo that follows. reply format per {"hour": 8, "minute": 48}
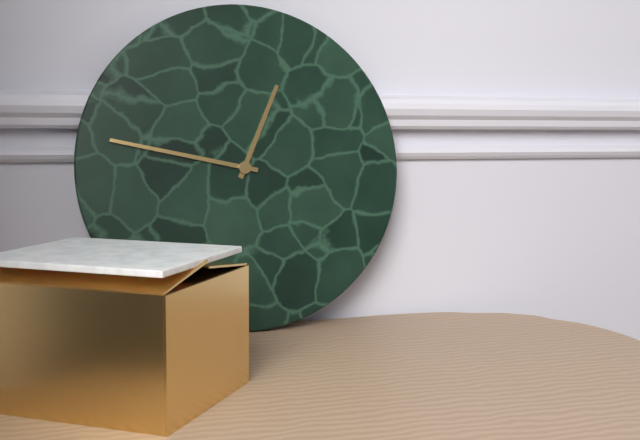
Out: {"hour": 12, "minute": 47}
